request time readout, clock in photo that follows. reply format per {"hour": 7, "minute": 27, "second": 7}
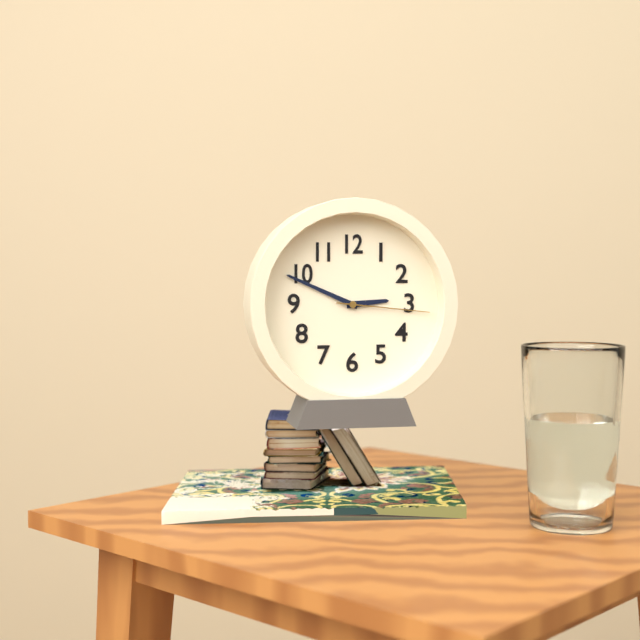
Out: {"hour": 2, "minute": 49, "second": 16}
